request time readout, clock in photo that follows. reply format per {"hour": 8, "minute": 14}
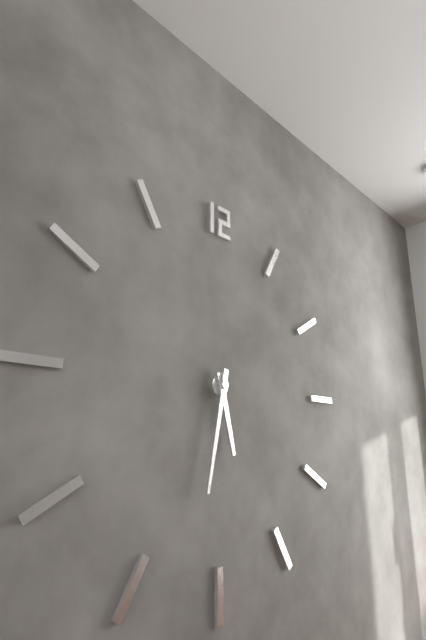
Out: {"hour": 5, "minute": 32}
